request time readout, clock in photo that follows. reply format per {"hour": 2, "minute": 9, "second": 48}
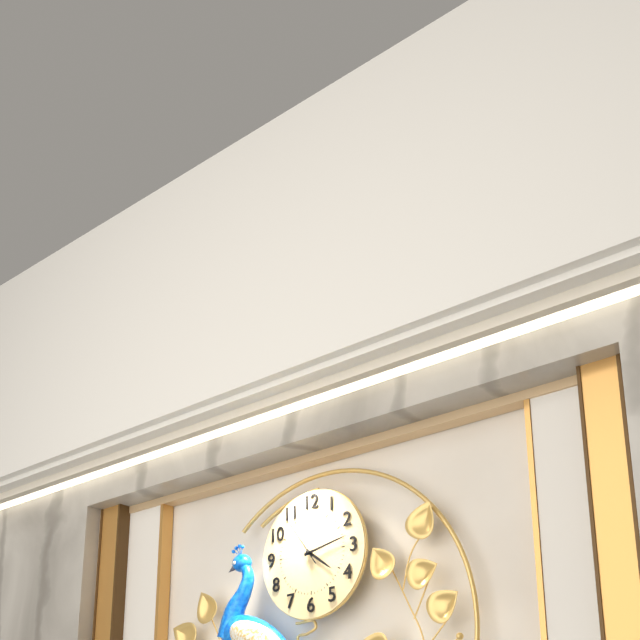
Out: {"hour": 4, "minute": 13, "second": 54}
